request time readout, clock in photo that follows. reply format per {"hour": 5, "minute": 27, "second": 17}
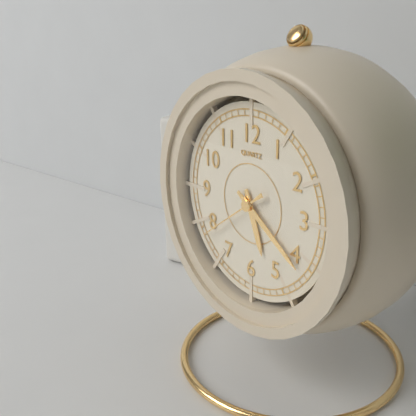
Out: {"hour": 5, "minute": 21, "second": 39}
